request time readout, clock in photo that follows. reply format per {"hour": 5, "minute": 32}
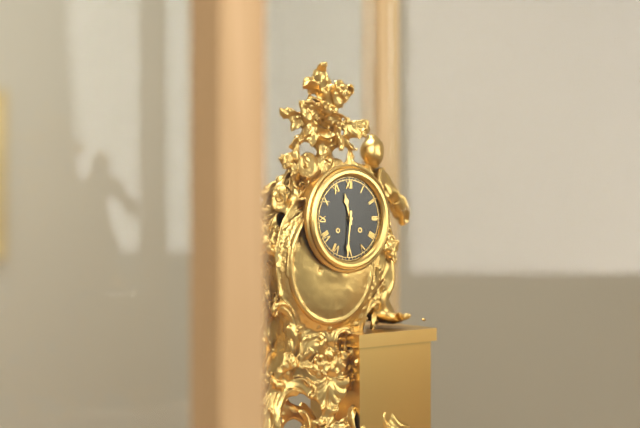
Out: {"hour": 11, "minute": 31}
